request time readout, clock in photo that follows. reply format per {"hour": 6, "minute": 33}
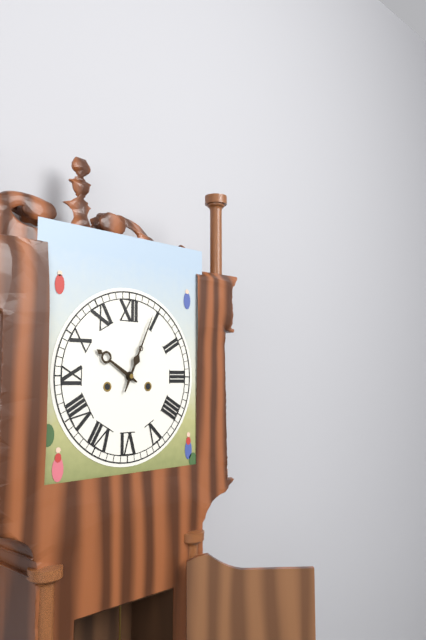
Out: {"hour": 10, "minute": 4}
